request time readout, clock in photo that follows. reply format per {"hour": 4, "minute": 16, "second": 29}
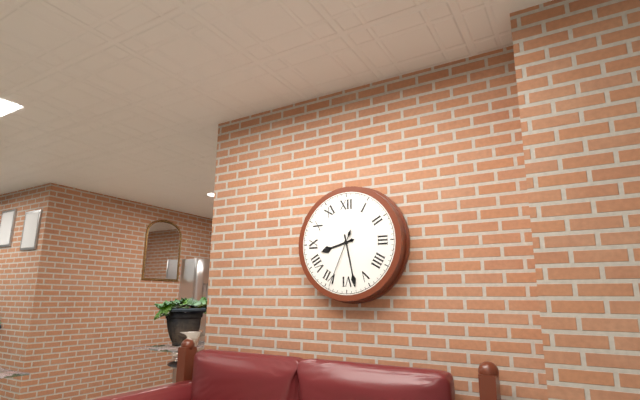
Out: {"hour": 8, "minute": 28, "second": 34}
